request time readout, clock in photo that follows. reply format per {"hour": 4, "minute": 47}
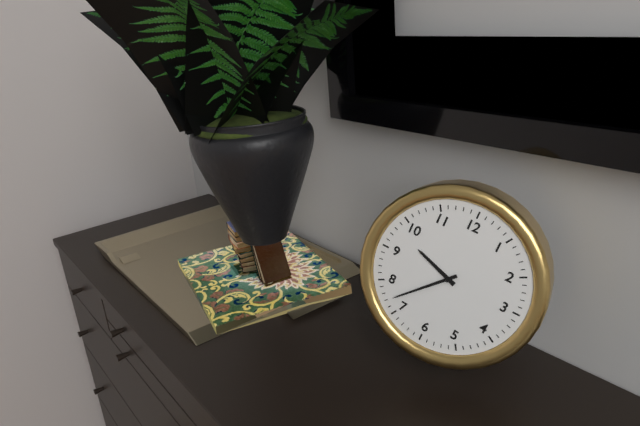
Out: {"hour": 9, "minute": 37}
